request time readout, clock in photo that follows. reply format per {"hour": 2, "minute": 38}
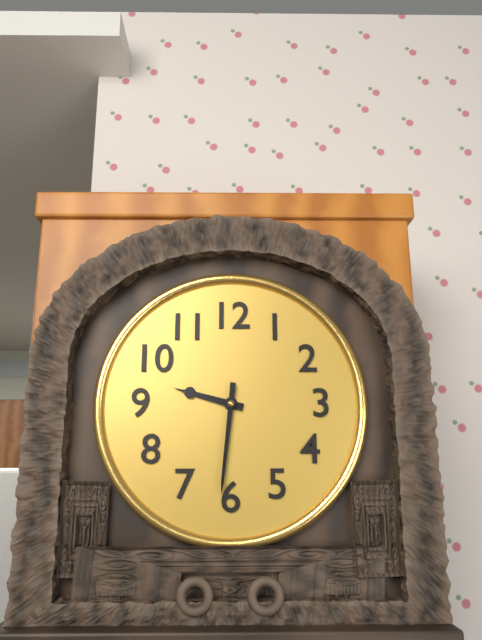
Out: {"hour": 9, "minute": 31}
